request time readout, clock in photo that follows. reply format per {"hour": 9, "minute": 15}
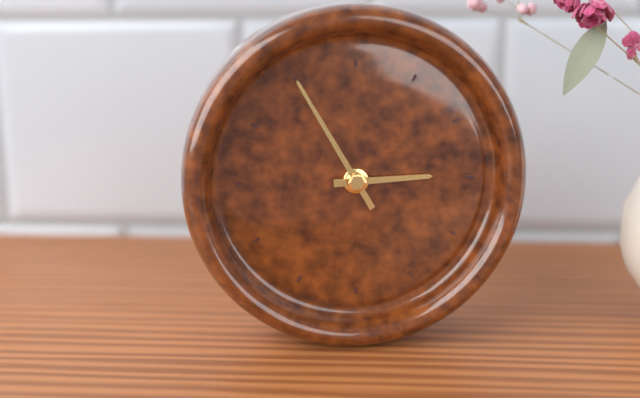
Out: {"hour": 2, "minute": 55}
